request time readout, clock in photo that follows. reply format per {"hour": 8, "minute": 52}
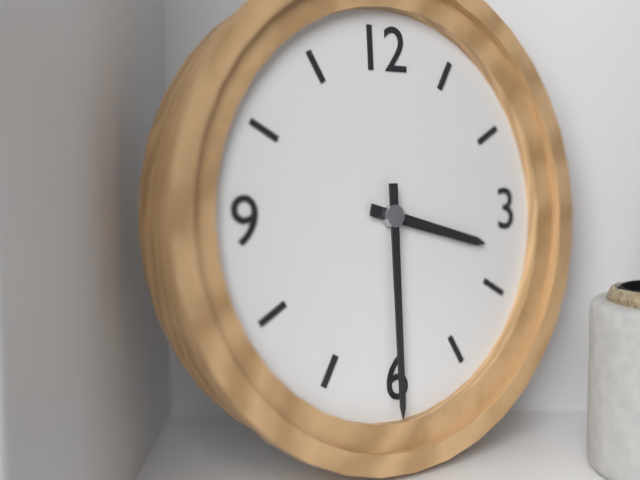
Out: {"hour": 3, "minute": 30}
